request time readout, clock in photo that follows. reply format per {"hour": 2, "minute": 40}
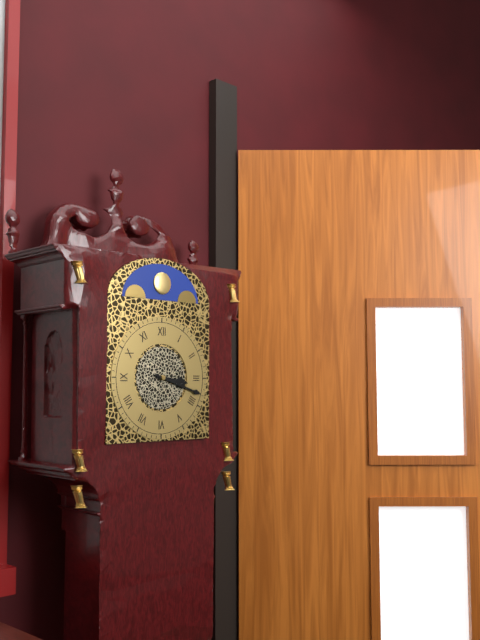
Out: {"hour": 3, "minute": 18}
